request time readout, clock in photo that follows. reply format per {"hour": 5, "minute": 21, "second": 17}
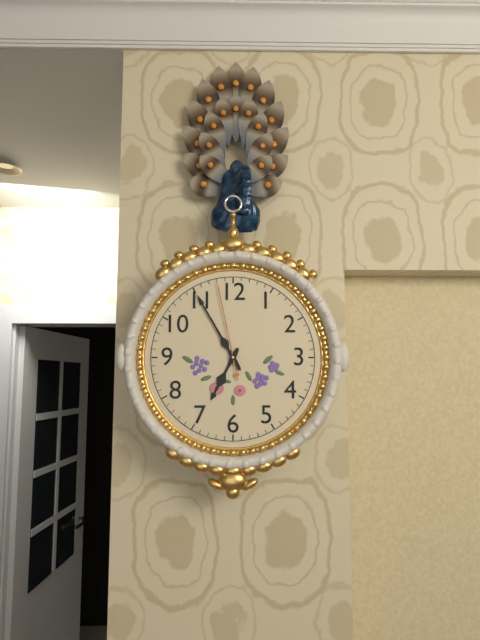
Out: {"hour": 6, "minute": 55, "second": 58}
